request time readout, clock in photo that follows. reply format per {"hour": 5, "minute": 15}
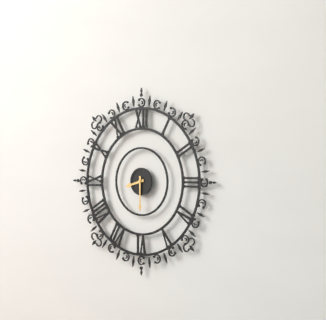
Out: {"hour": 8, "minute": 30}
